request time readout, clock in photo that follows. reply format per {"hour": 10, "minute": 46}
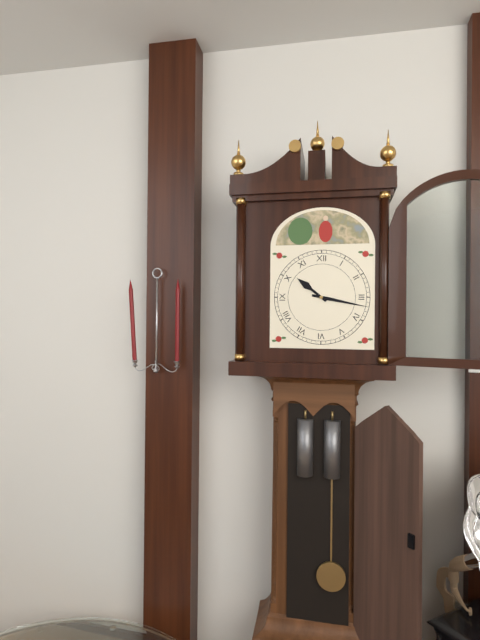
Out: {"hour": 10, "minute": 17}
